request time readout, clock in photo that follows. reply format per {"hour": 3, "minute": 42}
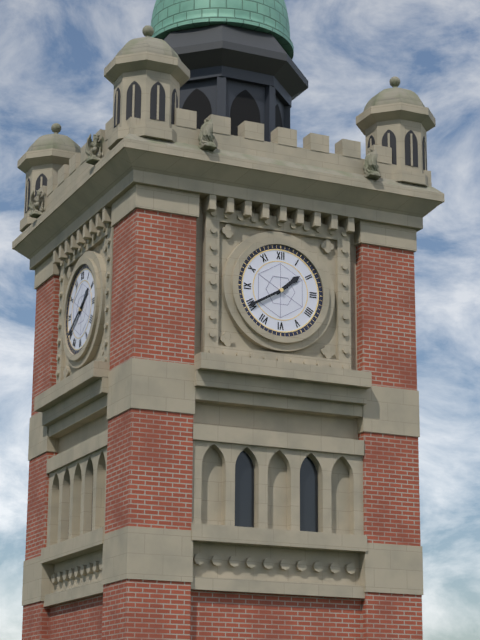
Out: {"hour": 1, "minute": 40}
